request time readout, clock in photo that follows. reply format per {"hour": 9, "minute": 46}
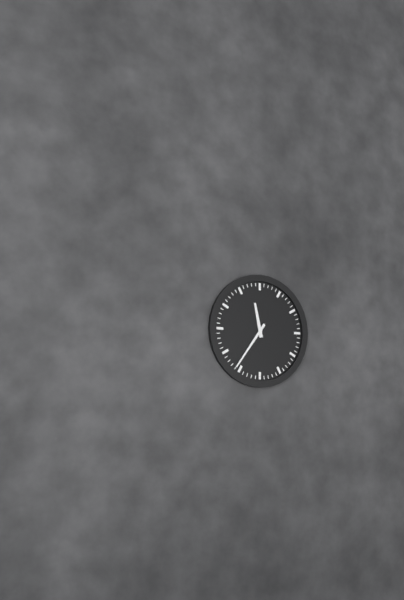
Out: {"hour": 11, "minute": 36}
